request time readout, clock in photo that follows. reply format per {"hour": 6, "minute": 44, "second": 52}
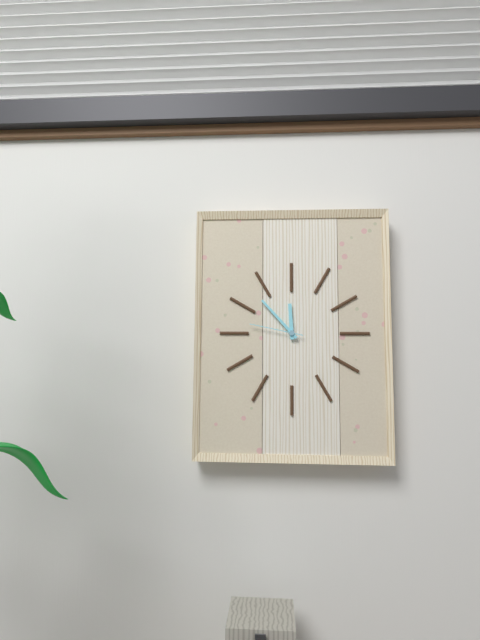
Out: {"hour": 11, "minute": 53, "second": 47}
